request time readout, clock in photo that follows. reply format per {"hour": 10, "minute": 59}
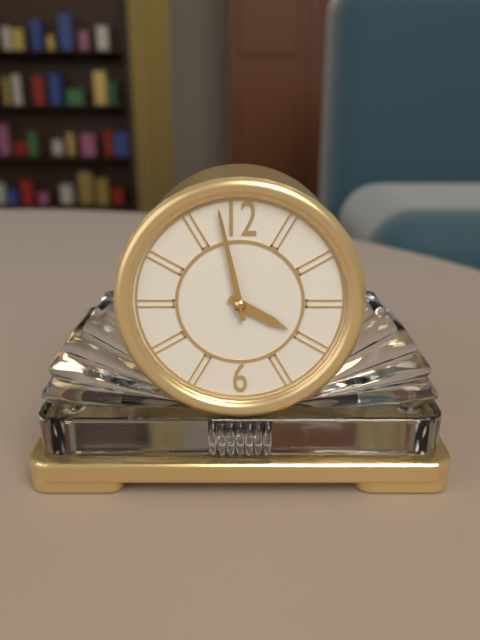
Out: {"hour": 3, "minute": 58}
